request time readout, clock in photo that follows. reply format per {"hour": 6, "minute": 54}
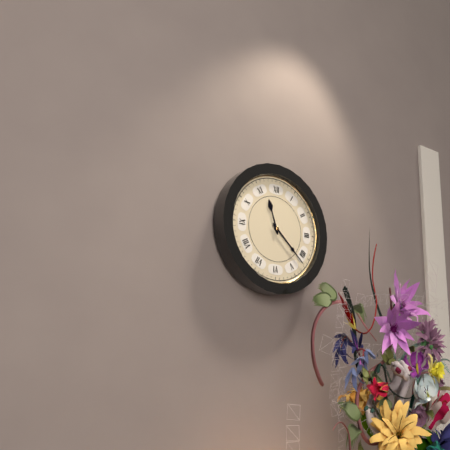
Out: {"hour": 11, "minute": 22}
